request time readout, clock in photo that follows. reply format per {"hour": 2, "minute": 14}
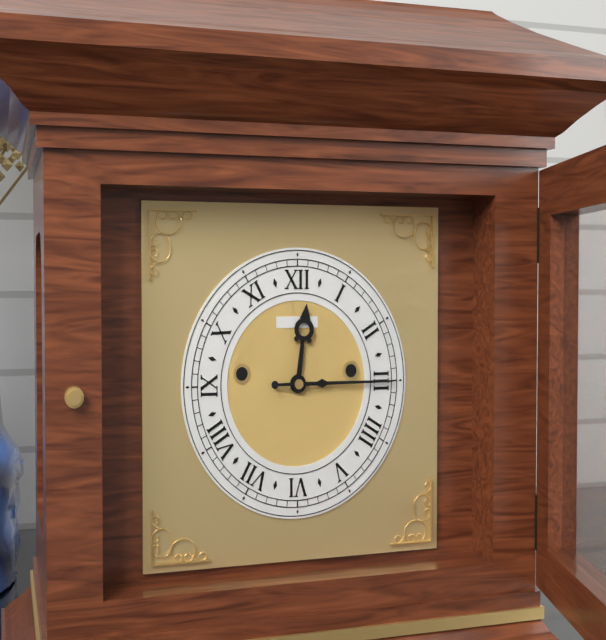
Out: {"hour": 12, "minute": 15}
